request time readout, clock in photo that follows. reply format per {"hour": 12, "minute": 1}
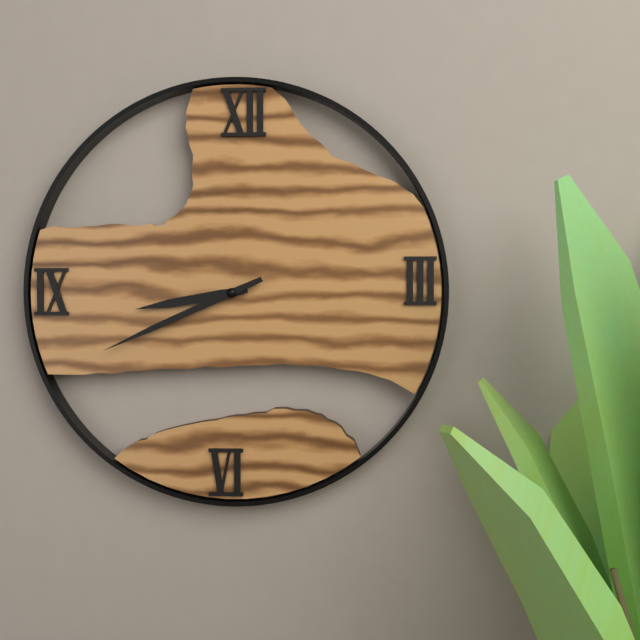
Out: {"hour": 8, "minute": 41}
